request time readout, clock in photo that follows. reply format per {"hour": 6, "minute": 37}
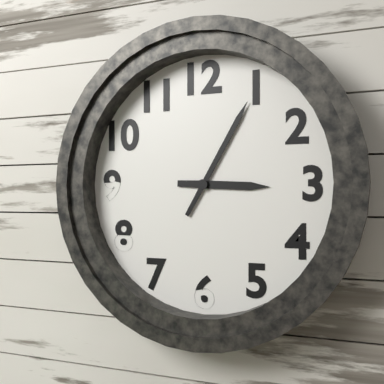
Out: {"hour": 3, "minute": 5}
